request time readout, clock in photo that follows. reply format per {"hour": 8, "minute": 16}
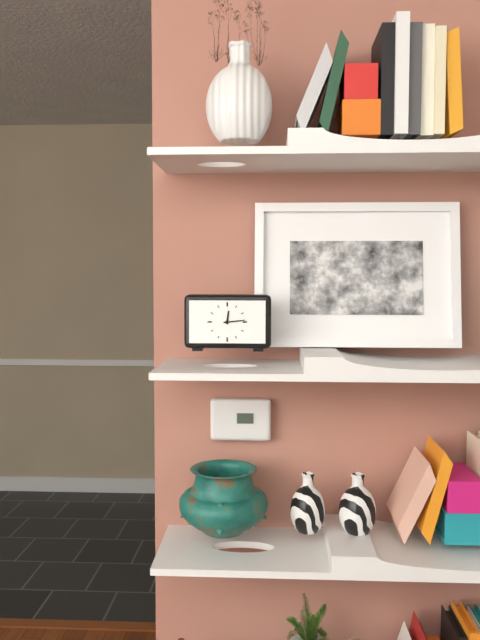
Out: {"hour": 12, "minute": 14}
